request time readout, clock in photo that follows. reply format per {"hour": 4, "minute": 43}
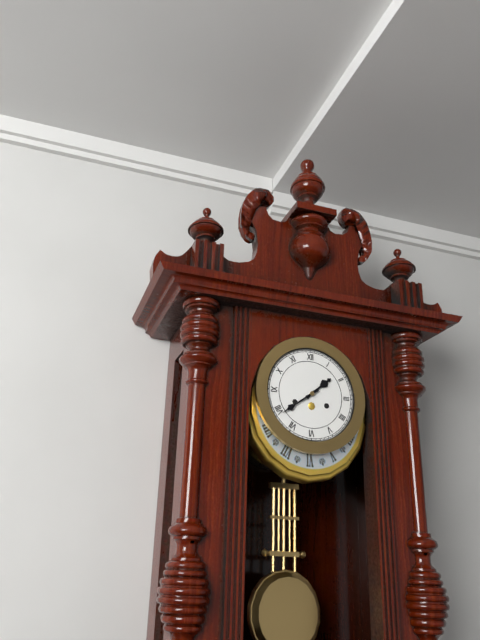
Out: {"hour": 1, "minute": 39}
